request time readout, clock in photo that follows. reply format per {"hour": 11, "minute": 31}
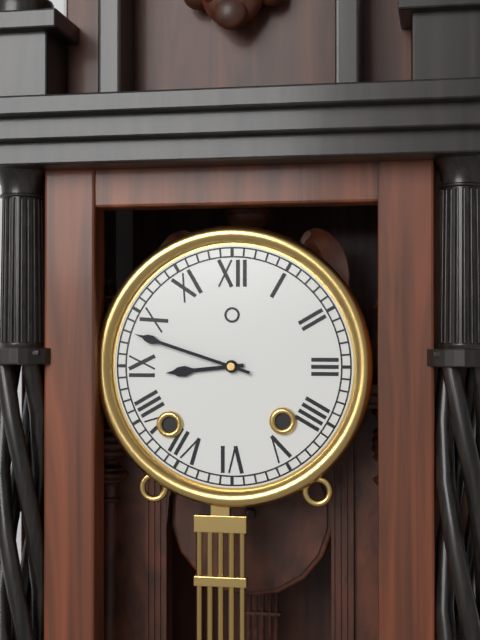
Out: {"hour": 8, "minute": 48}
